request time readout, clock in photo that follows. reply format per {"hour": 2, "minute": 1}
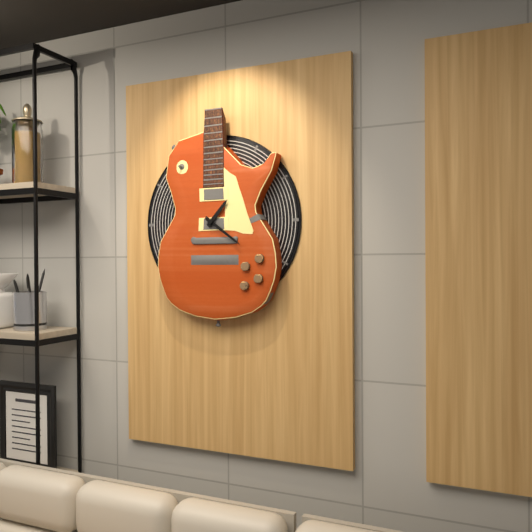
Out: {"hour": 1, "minute": 21}
